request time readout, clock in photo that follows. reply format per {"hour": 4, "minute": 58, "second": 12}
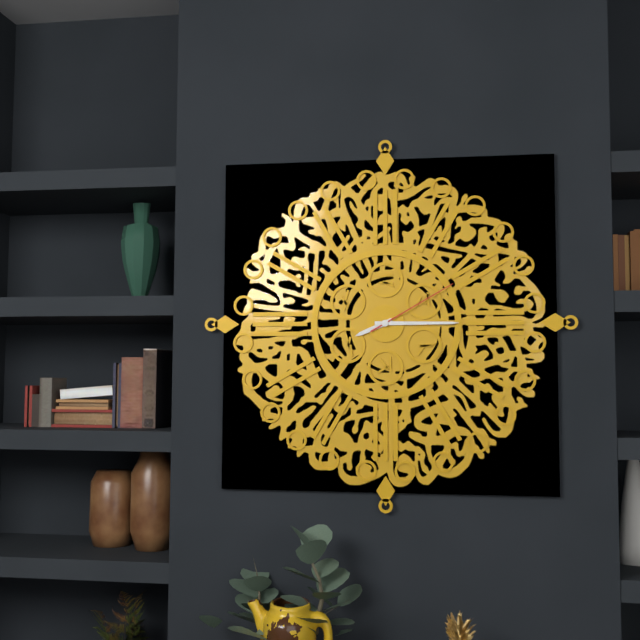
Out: {"hour": 8, "minute": 15, "second": 10}
